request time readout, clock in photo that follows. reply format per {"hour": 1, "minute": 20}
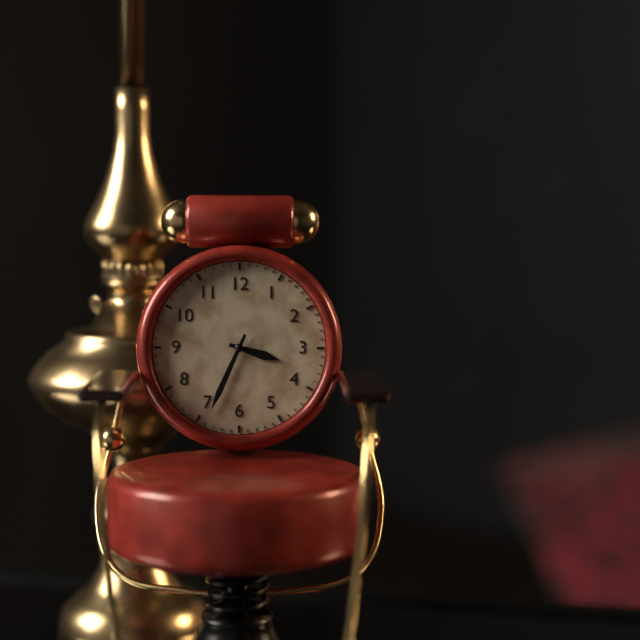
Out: {"hour": 3, "minute": 34}
